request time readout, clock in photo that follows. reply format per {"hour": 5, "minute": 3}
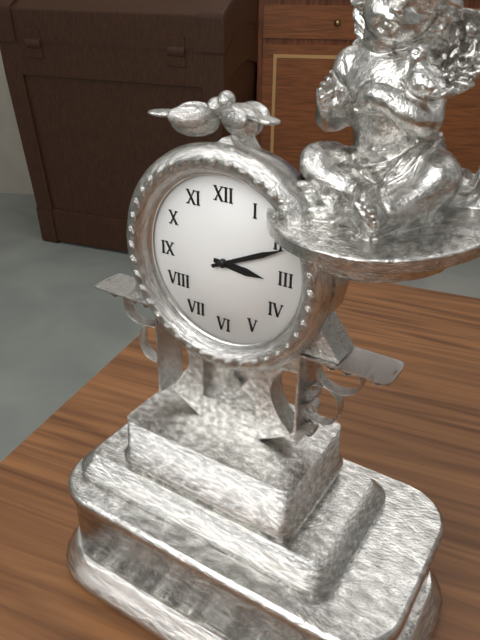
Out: {"hour": 3, "minute": 11}
